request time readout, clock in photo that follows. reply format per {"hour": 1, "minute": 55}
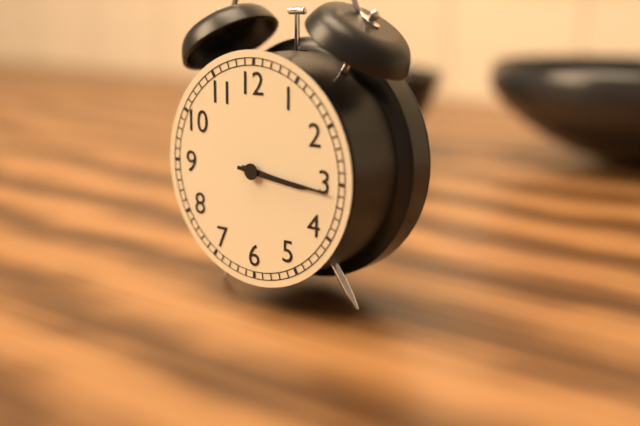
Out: {"hour": 3, "minute": 16}
